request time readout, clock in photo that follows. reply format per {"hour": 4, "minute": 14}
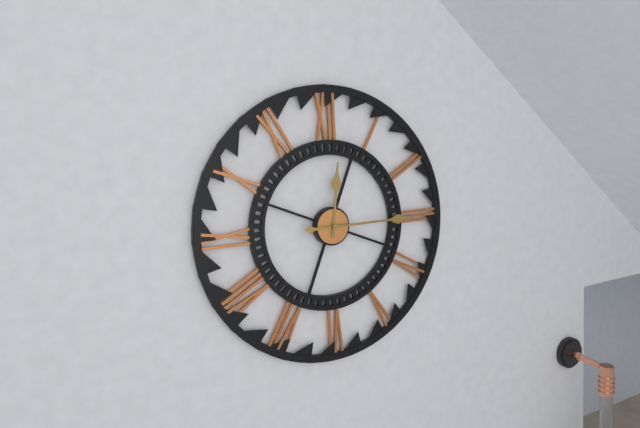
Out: {"hour": 12, "minute": 15}
